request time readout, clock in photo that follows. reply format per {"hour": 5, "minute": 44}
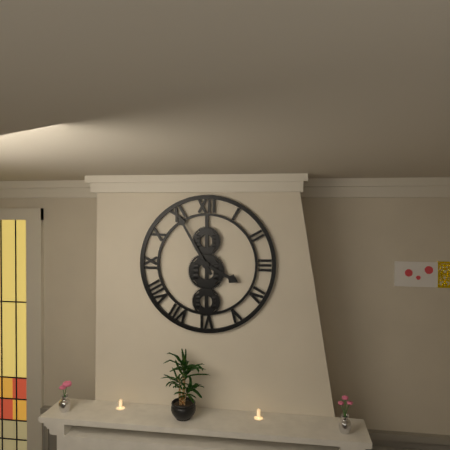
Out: {"hour": 3, "minute": 55}
